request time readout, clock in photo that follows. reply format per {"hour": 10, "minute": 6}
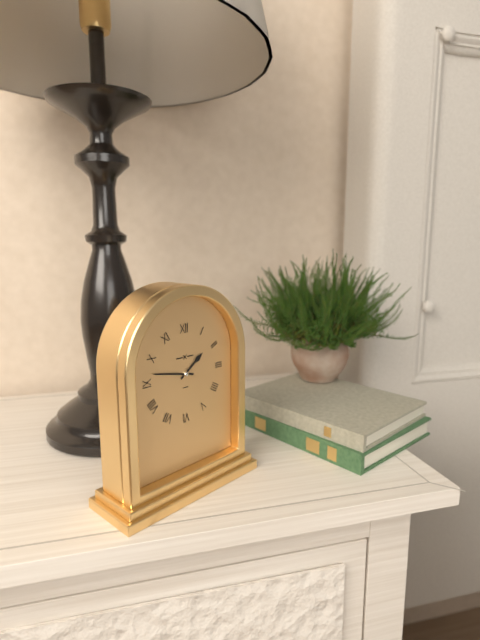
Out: {"hour": 1, "minute": 47}
